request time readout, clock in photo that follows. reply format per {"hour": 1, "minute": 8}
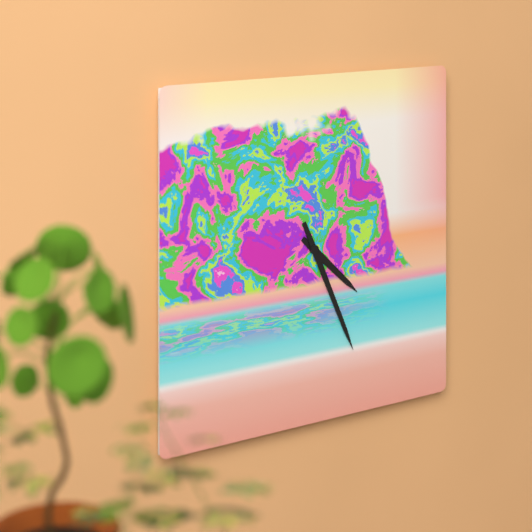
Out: {"hour": 4, "minute": 26}
